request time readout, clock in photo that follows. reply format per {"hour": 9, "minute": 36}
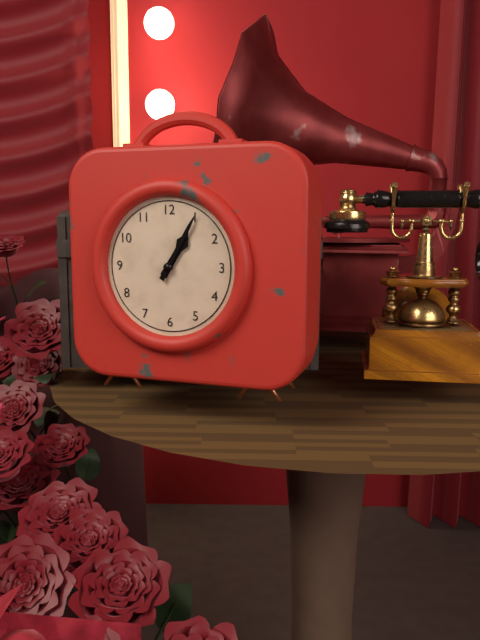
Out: {"hour": 1, "minute": 5}
